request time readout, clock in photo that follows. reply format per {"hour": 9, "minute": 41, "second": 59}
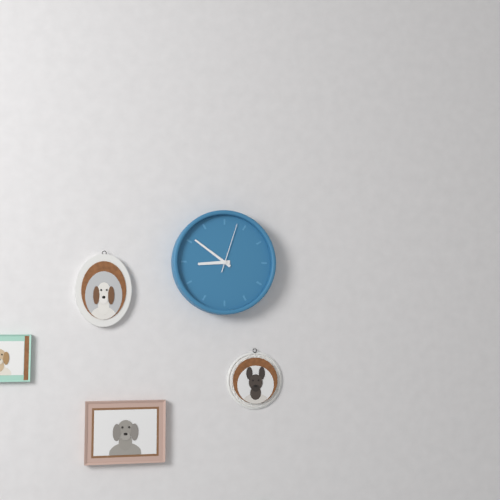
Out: {"hour": 8, "minute": 51, "second": 3}
